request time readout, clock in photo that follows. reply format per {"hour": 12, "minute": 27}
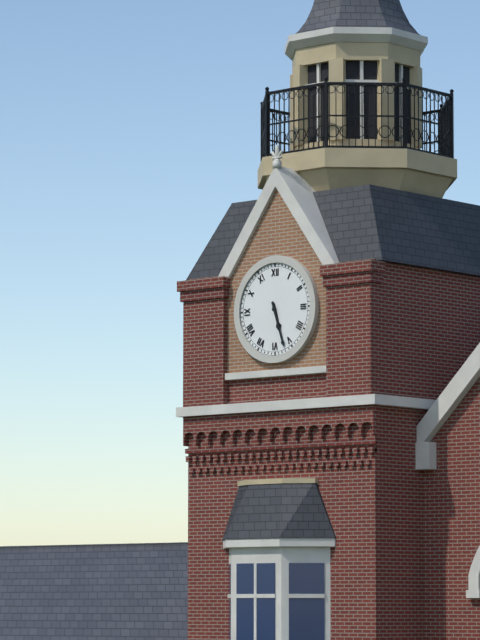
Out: {"hour": 5, "minute": 27}
